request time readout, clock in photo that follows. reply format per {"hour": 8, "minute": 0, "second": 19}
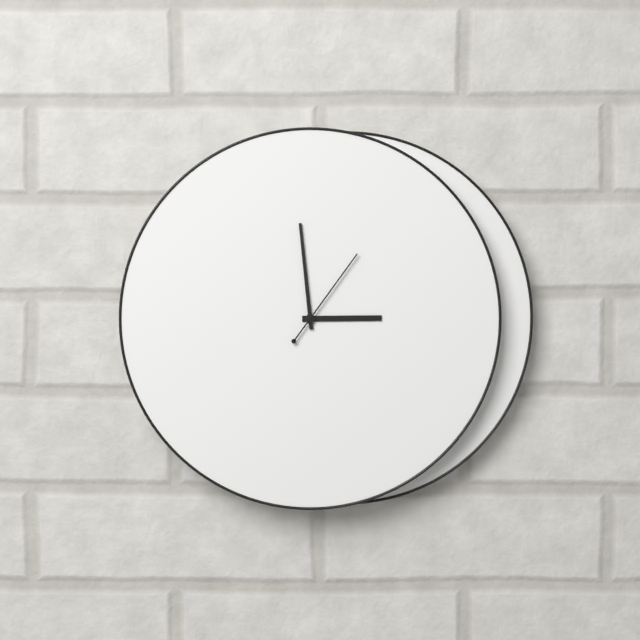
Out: {"hour": 2, "minute": 59, "second": 6}
